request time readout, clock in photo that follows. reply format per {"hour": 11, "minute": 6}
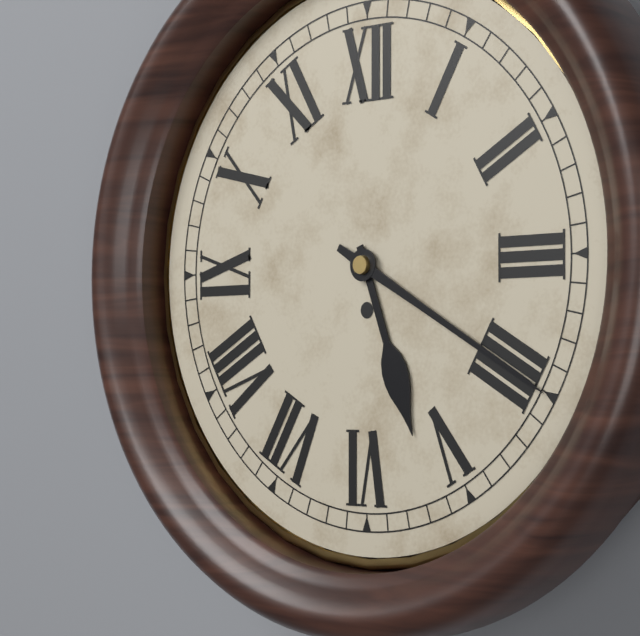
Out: {"hour": 5, "minute": 20}
